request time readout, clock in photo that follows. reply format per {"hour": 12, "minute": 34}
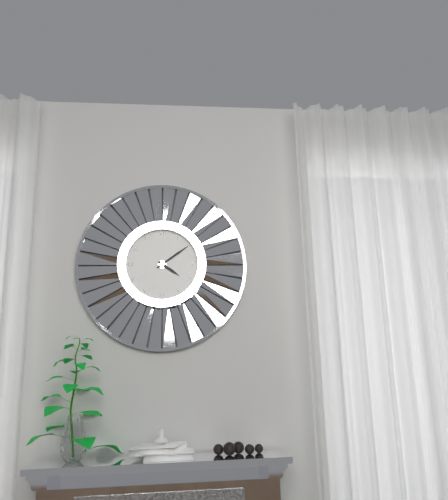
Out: {"hour": 4, "minute": 9}
